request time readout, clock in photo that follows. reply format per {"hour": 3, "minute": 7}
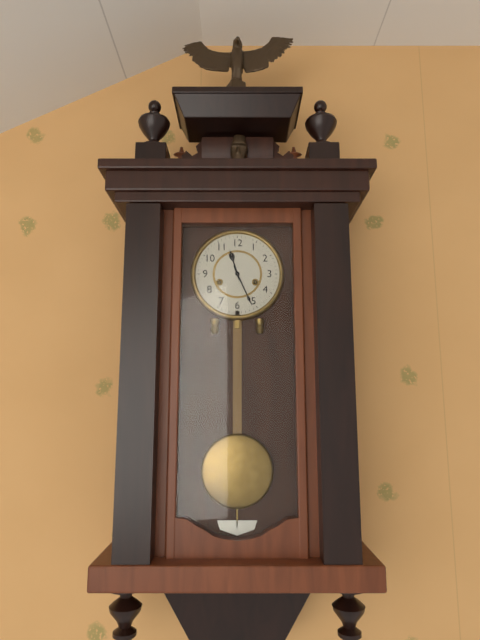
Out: {"hour": 11, "minute": 26}
